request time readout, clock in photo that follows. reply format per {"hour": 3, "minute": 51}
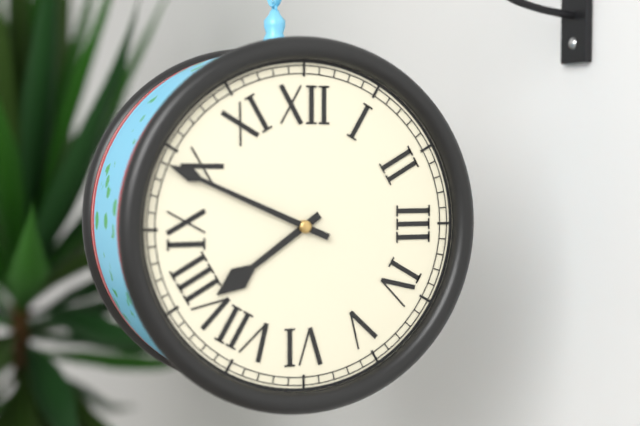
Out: {"hour": 7, "minute": 49}
